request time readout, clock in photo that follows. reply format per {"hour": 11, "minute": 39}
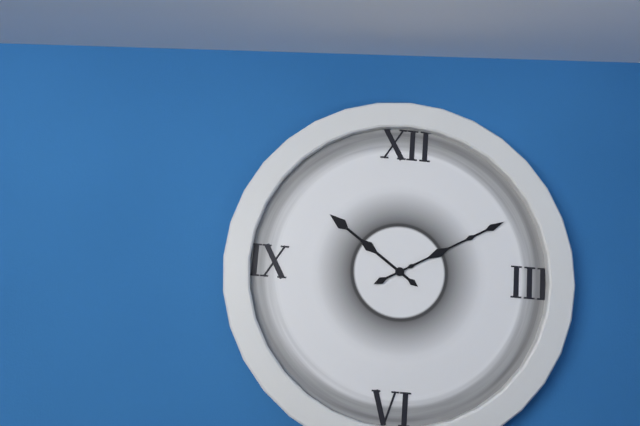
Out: {"hour": 10, "minute": 10}
